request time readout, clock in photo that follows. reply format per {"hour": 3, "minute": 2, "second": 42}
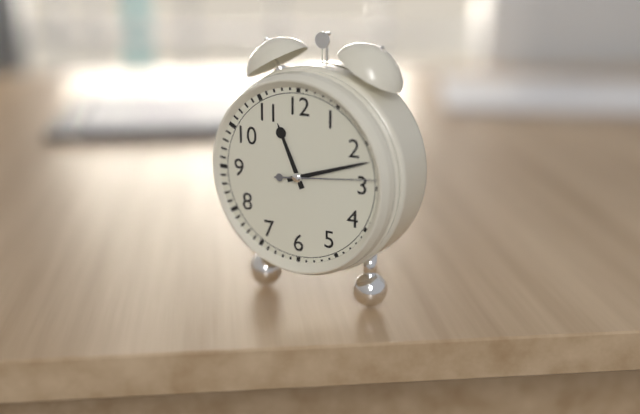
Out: {"hour": 11, "minute": 12, "second": 14}
